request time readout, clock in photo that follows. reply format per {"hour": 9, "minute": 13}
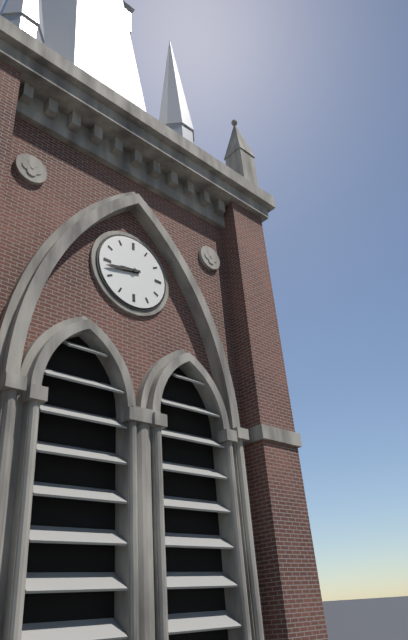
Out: {"hour": 8, "minute": 43}
